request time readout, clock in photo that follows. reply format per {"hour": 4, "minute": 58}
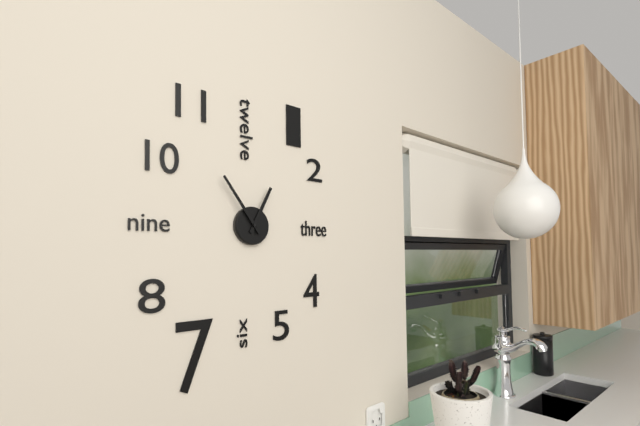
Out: {"hour": 12, "minute": 54}
